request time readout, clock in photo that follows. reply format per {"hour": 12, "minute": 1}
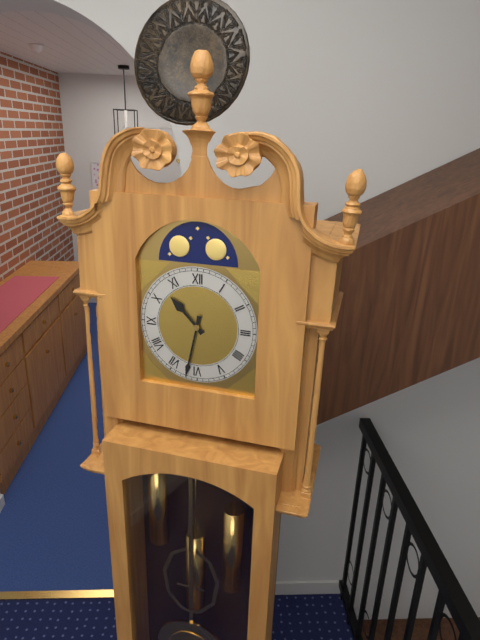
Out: {"hour": 10, "minute": 32}
